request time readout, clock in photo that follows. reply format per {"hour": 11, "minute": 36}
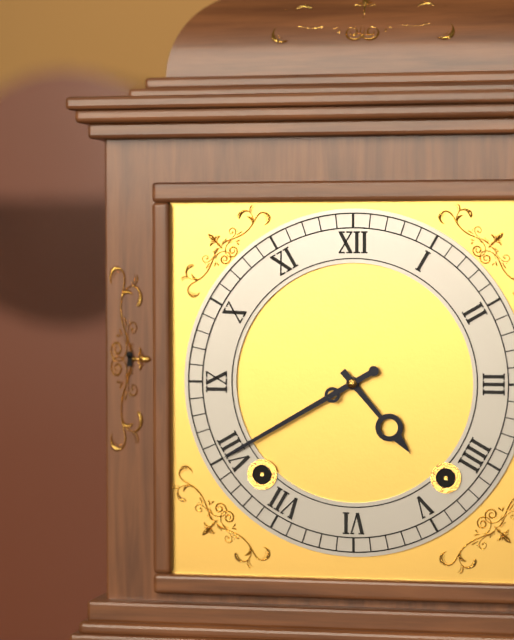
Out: {"hour": 4, "minute": 40}
